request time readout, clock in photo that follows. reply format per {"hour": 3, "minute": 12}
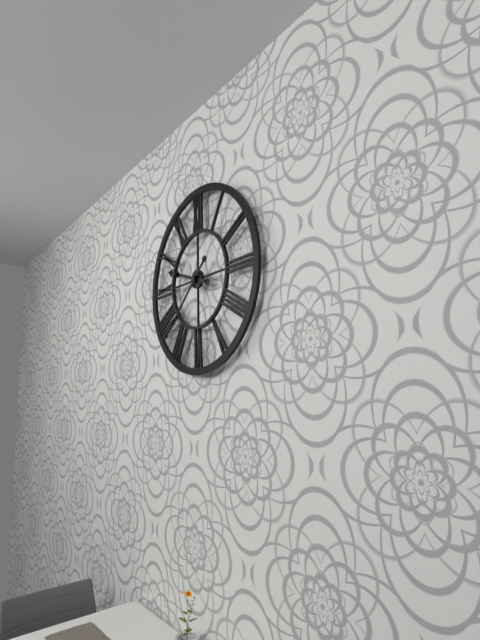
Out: {"hour": 9, "minute": 38}
